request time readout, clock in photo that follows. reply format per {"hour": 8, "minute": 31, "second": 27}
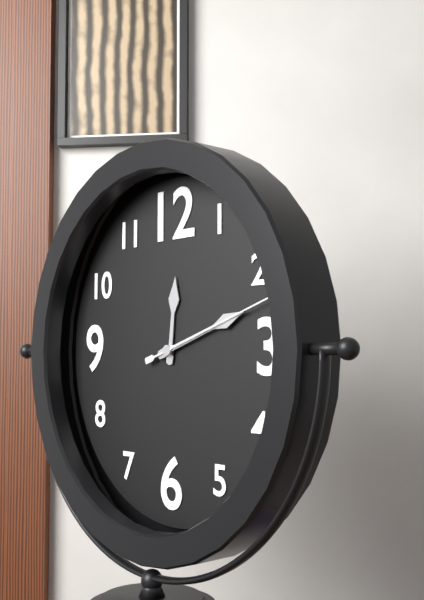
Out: {"hour": 12, "minute": 12, "second": 12}
